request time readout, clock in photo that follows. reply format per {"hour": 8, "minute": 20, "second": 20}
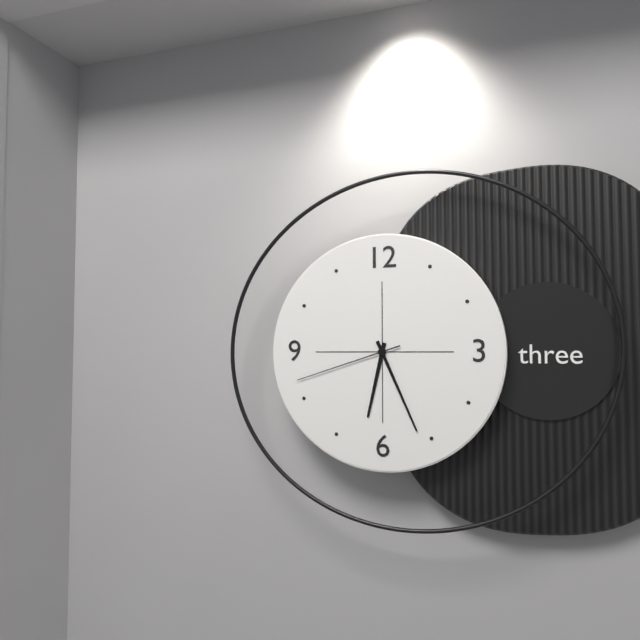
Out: {"hour": 6, "minute": 26, "second": 42}
